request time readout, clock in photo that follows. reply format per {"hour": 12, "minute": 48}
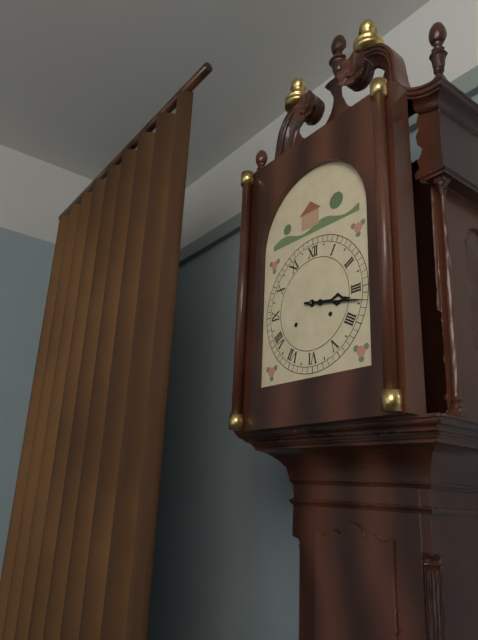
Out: {"hour": 3, "minute": 17}
